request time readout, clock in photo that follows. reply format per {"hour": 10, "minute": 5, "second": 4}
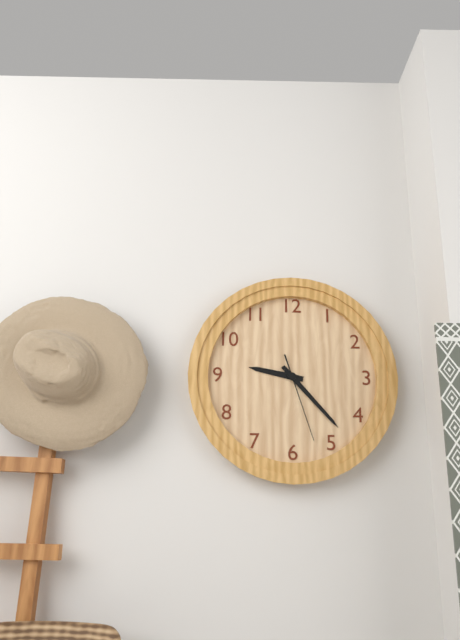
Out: {"hour": 9, "minute": 23, "second": 27}
